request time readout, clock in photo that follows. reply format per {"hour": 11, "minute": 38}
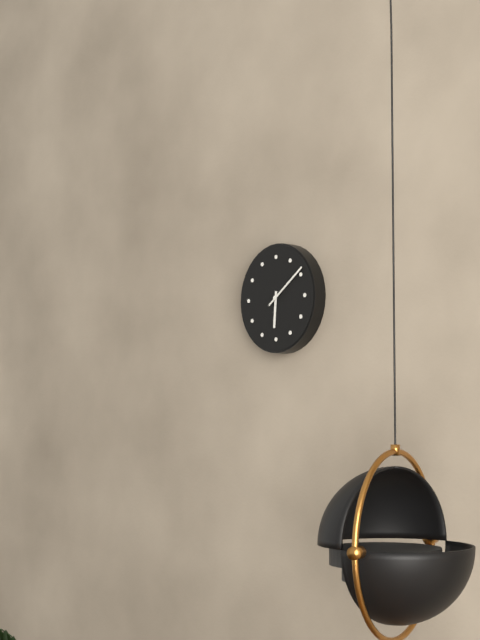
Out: {"hour": 6, "minute": 9}
